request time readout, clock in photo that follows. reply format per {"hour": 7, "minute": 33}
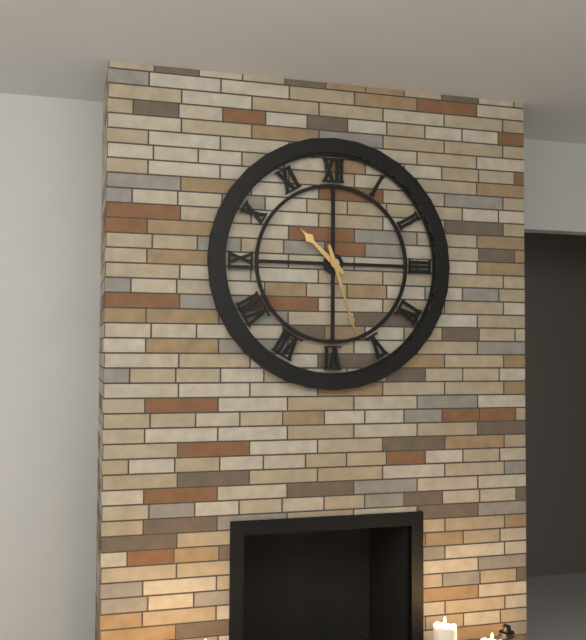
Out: {"hour": 10, "minute": 27}
